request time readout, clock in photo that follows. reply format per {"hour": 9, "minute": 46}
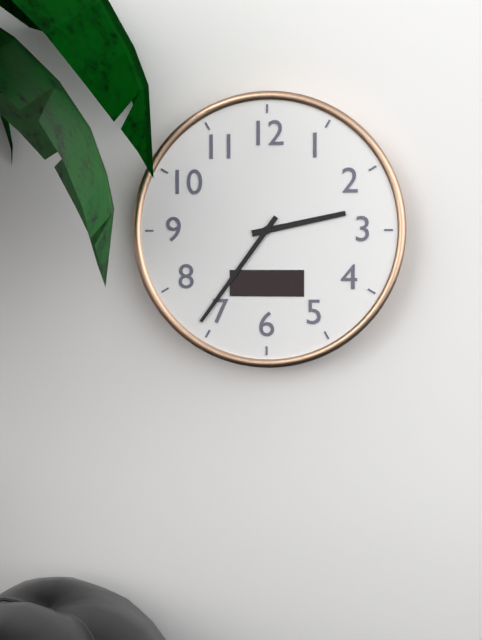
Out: {"hour": 2, "minute": 36}
